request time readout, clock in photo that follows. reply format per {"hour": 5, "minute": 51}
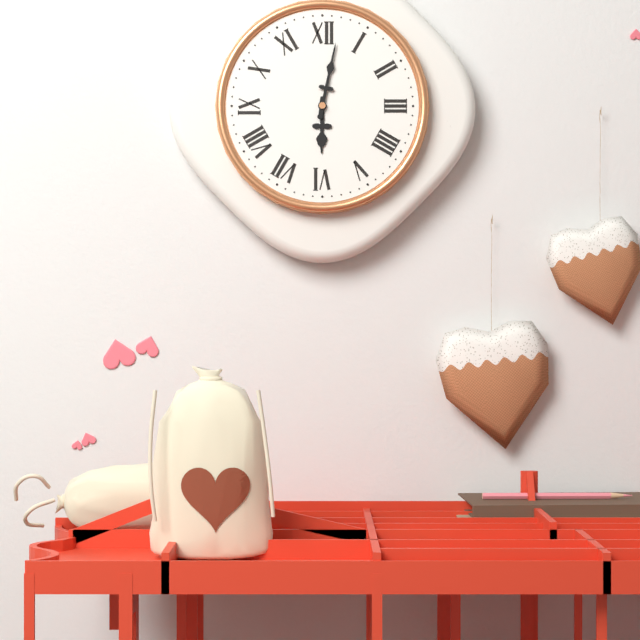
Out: {"hour": 6, "minute": 2}
